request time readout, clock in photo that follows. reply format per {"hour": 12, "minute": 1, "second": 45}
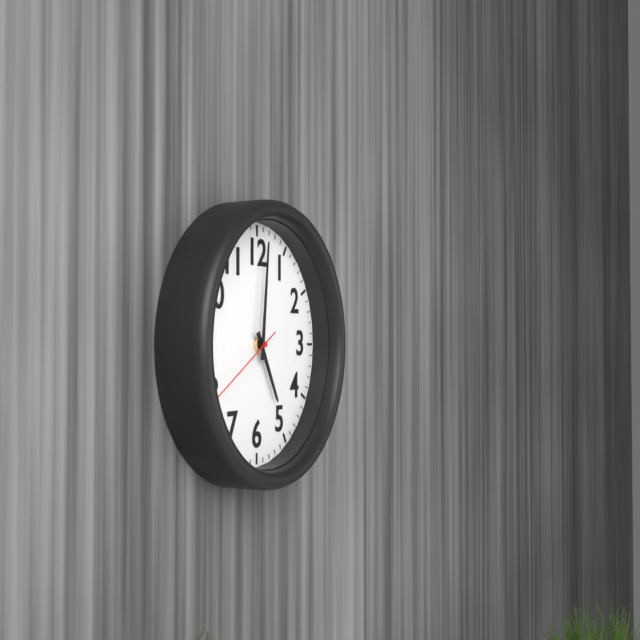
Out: {"hour": 5, "minute": 1, "second": 40}
